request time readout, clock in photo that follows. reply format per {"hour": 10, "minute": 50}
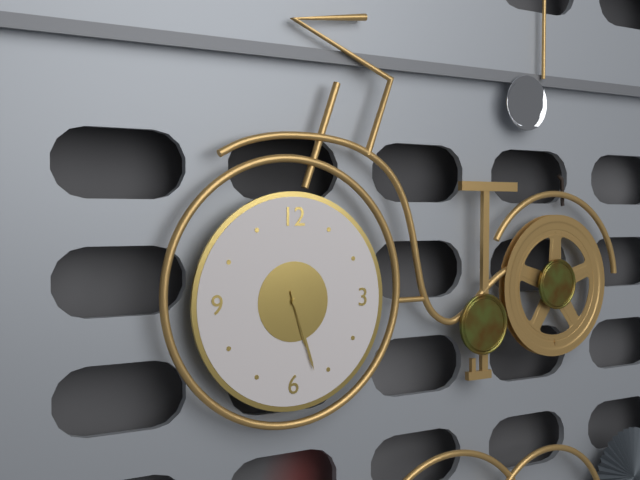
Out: {"hour": 5, "minute": 27}
